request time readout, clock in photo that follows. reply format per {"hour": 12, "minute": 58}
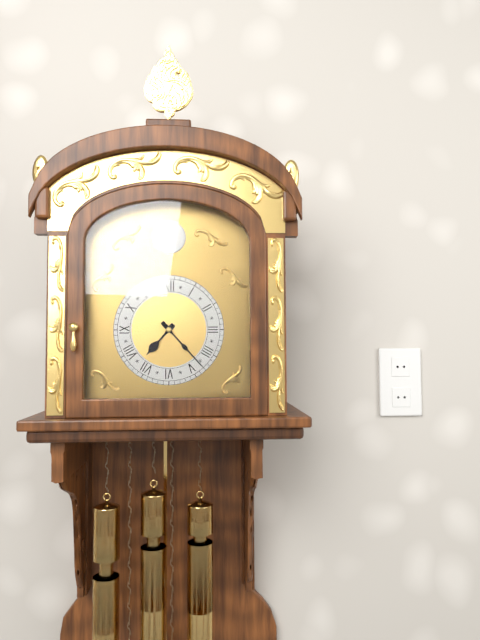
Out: {"hour": 7, "minute": 23}
